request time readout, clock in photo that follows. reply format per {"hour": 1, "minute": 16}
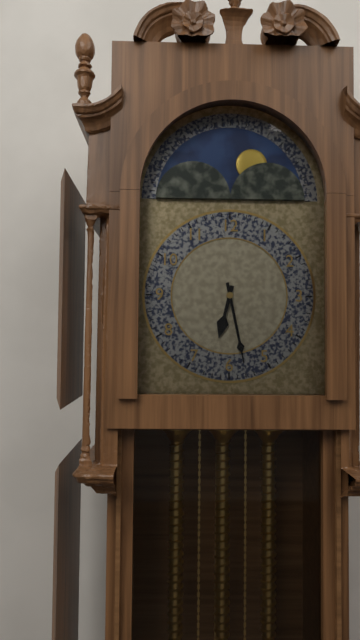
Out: {"hour": 6, "minute": 28}
